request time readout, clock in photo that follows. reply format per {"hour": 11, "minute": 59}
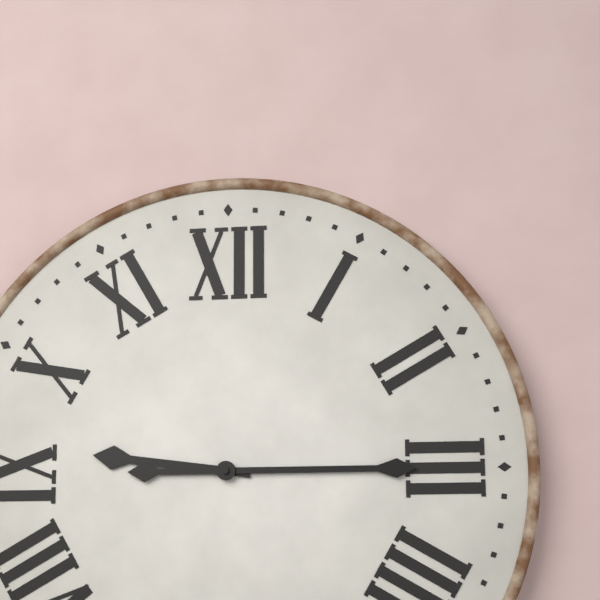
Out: {"hour": 9, "minute": 15}
